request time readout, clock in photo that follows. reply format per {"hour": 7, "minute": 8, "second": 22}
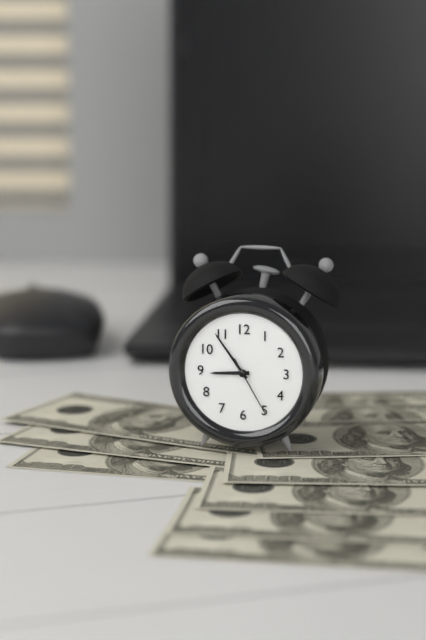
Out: {"hour": 8, "minute": 54, "second": 25}
